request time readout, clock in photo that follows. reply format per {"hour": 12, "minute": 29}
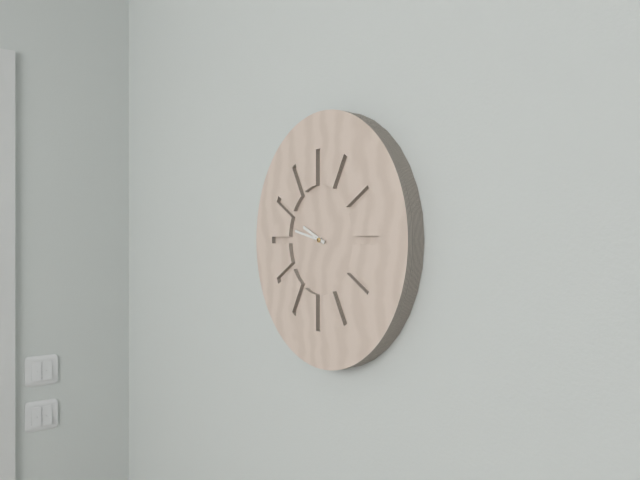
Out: {"hour": 9, "minute": 47}
